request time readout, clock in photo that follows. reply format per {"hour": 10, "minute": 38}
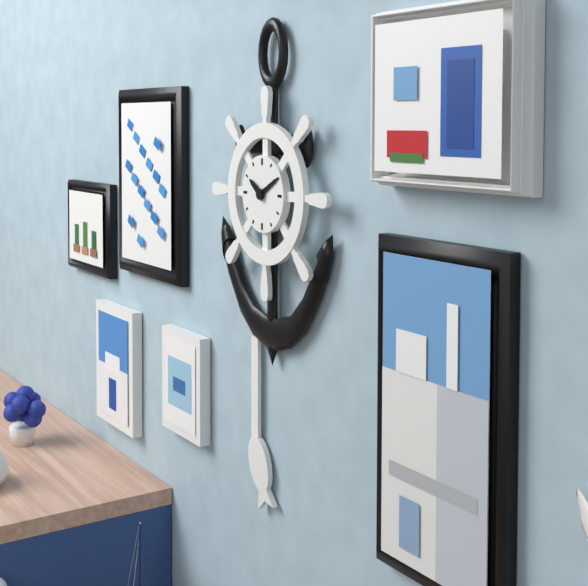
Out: {"hour": 10, "minute": 10}
